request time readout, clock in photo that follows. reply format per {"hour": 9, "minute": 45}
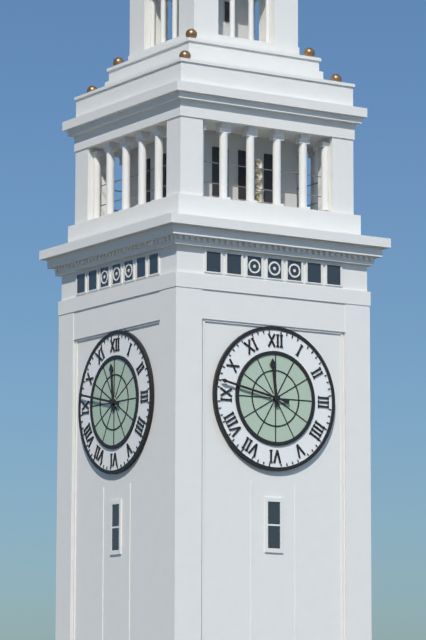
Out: {"hour": 11, "minute": 47}
